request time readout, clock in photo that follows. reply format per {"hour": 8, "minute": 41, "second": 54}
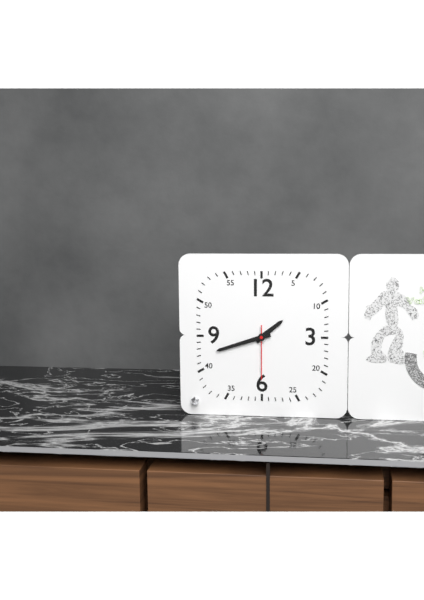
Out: {"hour": 1, "minute": 42, "second": 30}
